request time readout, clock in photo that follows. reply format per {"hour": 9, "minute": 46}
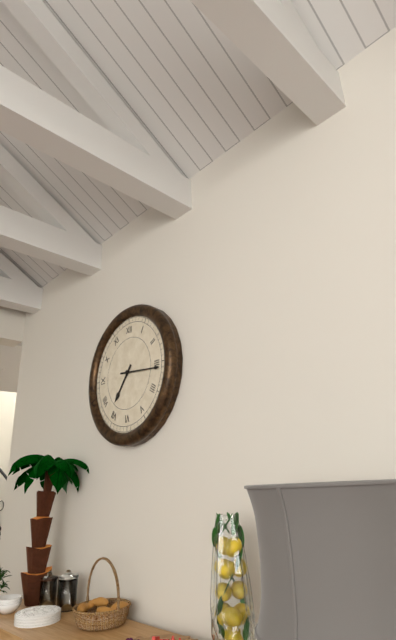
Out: {"hour": 7, "minute": 16}
